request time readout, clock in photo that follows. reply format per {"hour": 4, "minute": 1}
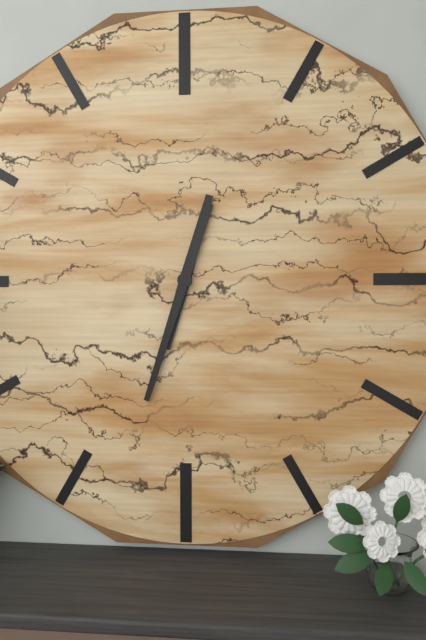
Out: {"hour": 12, "minute": 33}
